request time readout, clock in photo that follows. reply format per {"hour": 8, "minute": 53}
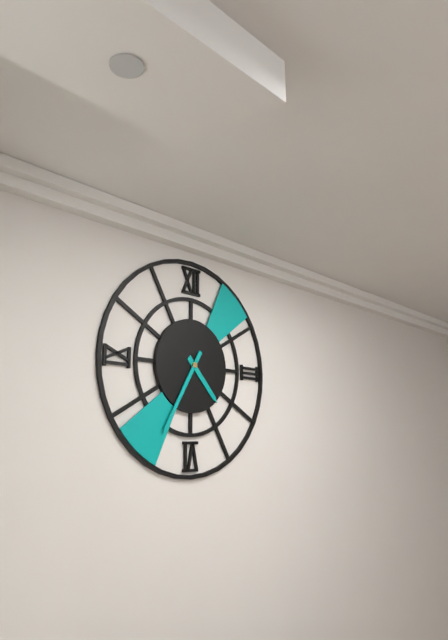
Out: {"hour": 4, "minute": 35}
